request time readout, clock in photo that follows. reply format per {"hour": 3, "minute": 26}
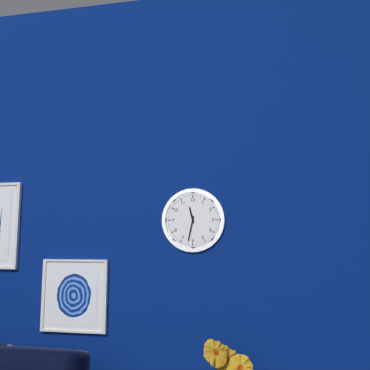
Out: {"hour": 11, "minute": 32}
